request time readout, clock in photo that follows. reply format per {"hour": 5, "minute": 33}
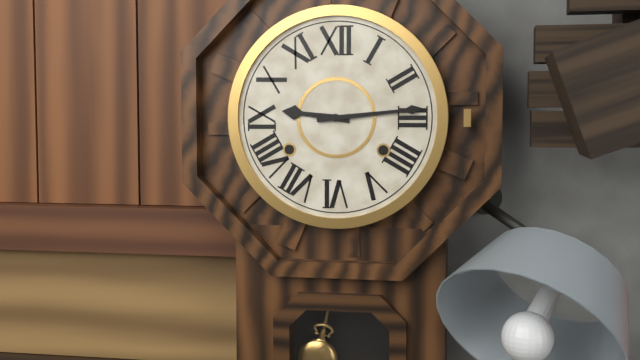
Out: {"hour": 9, "minute": 14}
